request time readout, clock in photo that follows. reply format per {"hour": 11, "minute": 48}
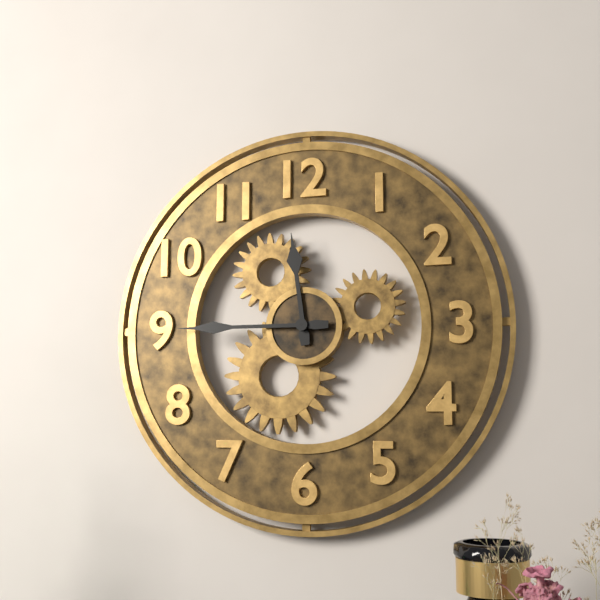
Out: {"hour": 11, "minute": 45}
